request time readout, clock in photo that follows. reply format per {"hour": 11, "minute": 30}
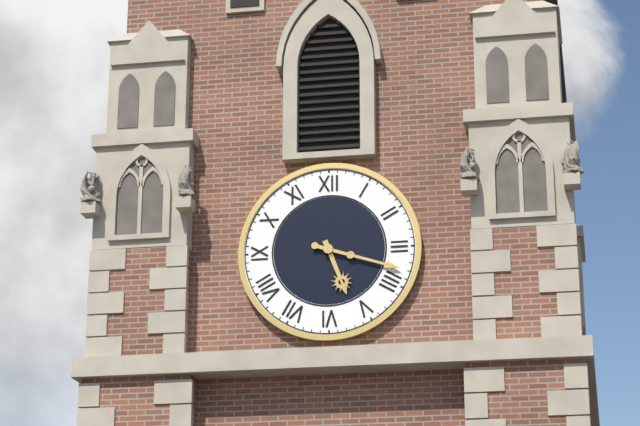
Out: {"hour": 5, "minute": 18}
